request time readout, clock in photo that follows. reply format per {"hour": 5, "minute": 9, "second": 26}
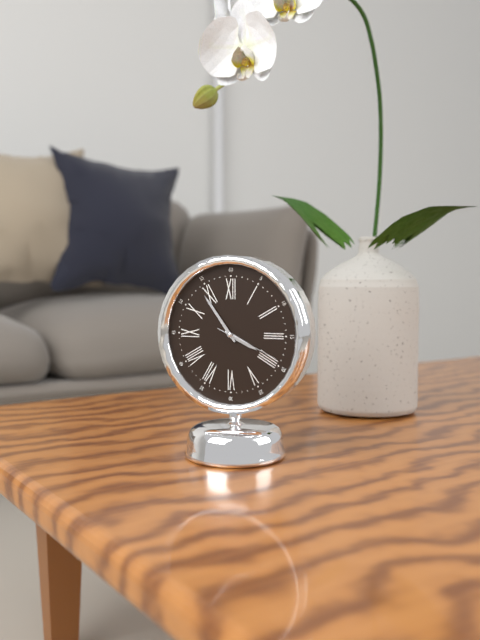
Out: {"hour": 3, "minute": 54, "second": 19}
